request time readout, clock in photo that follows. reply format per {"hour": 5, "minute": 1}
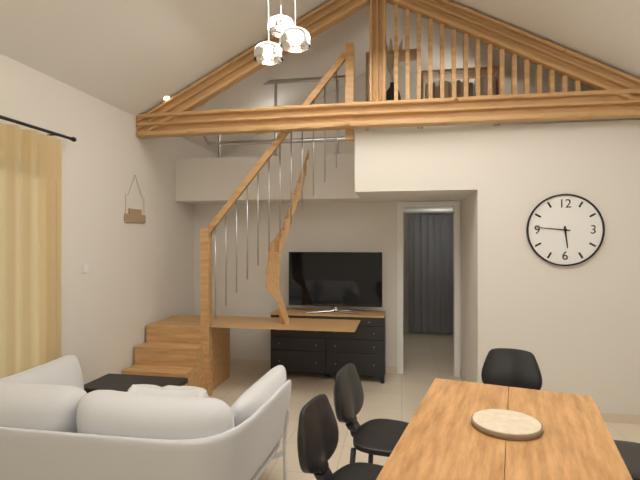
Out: {"hour": 5, "minute": 46}
